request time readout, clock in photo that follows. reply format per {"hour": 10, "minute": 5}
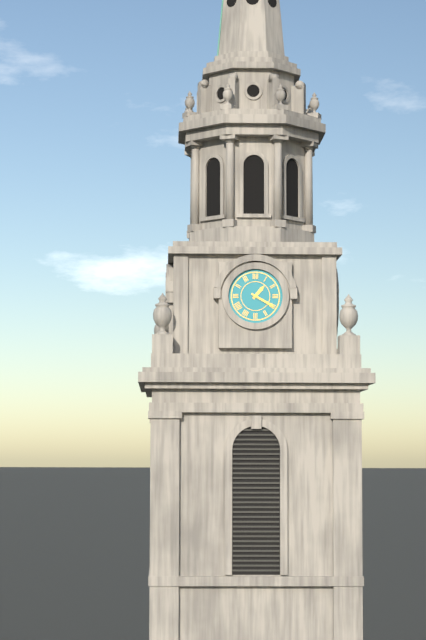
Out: {"hour": 1, "minute": 20}
